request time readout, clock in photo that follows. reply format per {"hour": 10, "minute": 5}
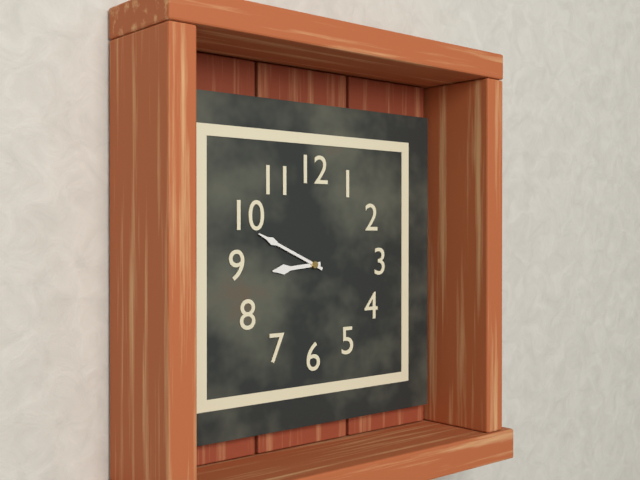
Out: {"hour": 8, "minute": 49}
